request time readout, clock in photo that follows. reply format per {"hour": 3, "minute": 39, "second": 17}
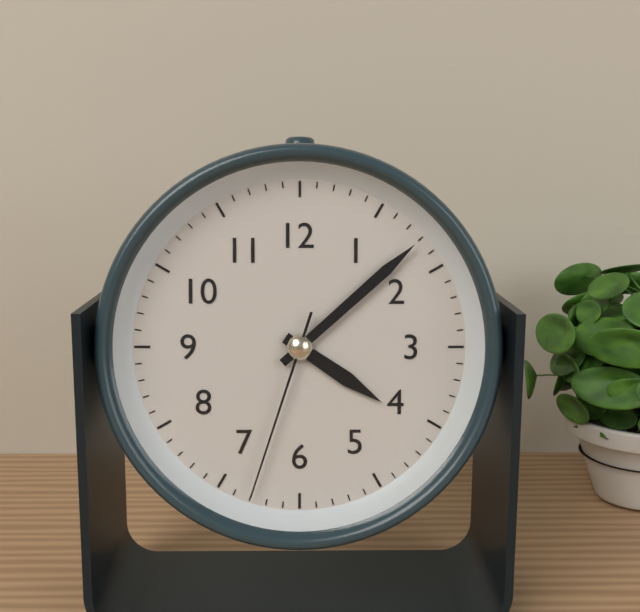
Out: {"hour": 4, "minute": 8, "second": 33}
